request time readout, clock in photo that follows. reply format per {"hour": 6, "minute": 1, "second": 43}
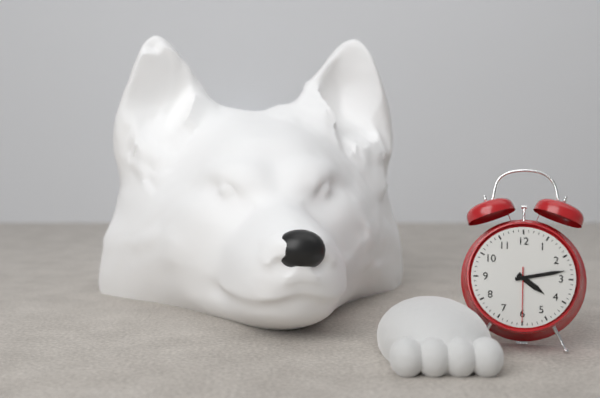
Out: {"hour": 4, "minute": 13, "second": 30}
